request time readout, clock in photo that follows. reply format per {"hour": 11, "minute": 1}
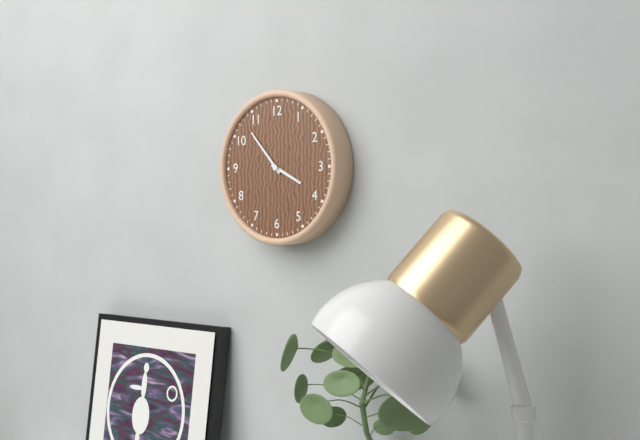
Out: {"hour": 3, "minute": 53}
